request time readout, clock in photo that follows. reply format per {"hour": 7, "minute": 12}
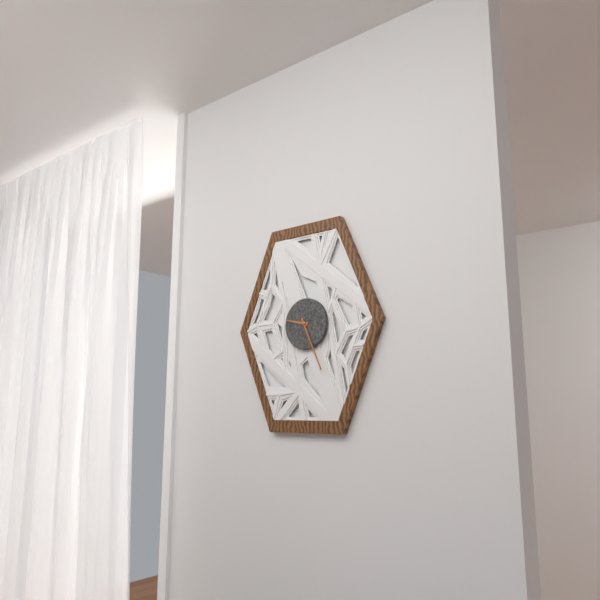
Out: {"hour": 9, "minute": 26}
